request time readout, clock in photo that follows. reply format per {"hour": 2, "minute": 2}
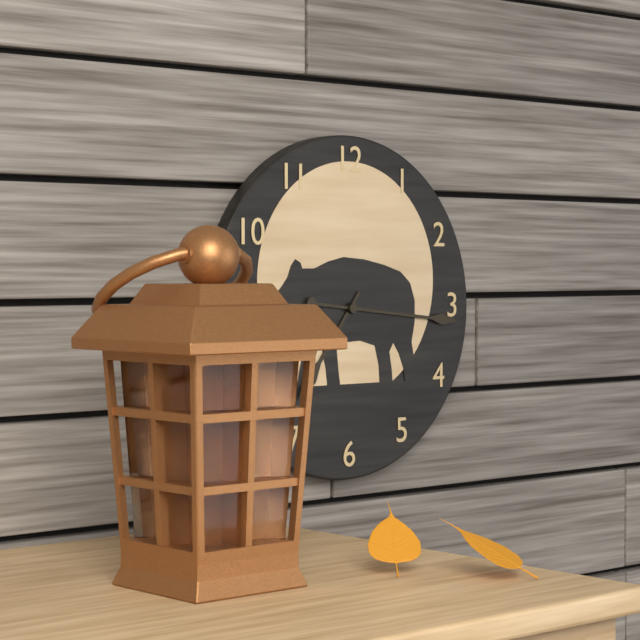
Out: {"hour": 7, "minute": 16}
